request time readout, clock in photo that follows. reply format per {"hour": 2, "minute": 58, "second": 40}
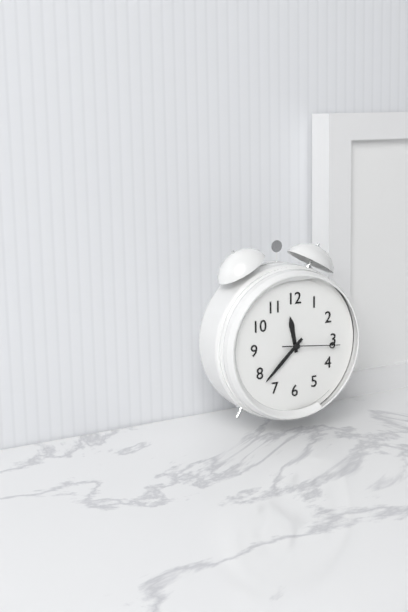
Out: {"hour": 11, "minute": 38, "second": 16}
